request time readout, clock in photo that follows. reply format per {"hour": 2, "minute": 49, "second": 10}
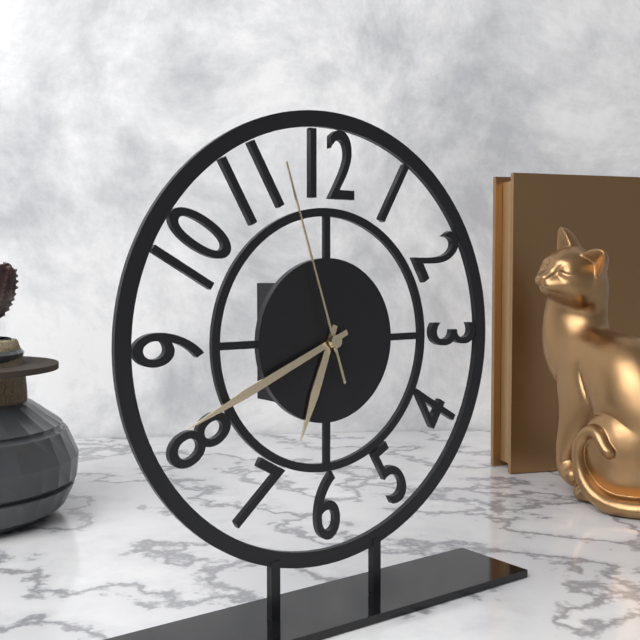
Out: {"hour": 6, "minute": 41, "second": 57}
